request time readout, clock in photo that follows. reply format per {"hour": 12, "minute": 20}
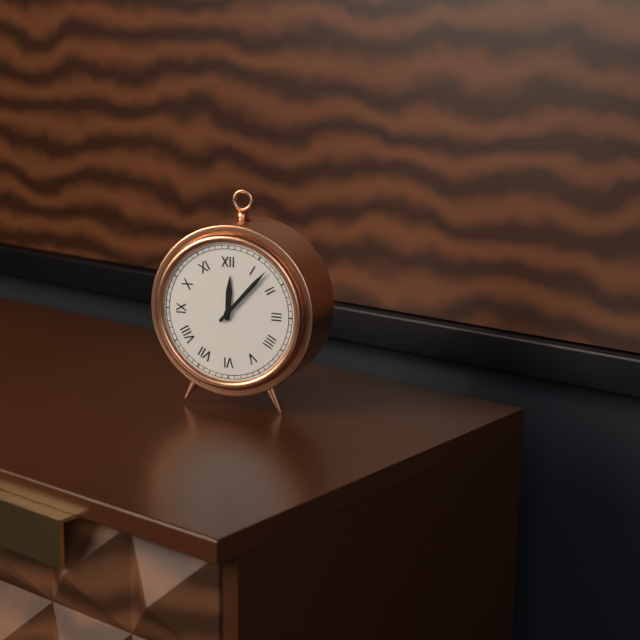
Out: {"hour": 12, "minute": 7}
